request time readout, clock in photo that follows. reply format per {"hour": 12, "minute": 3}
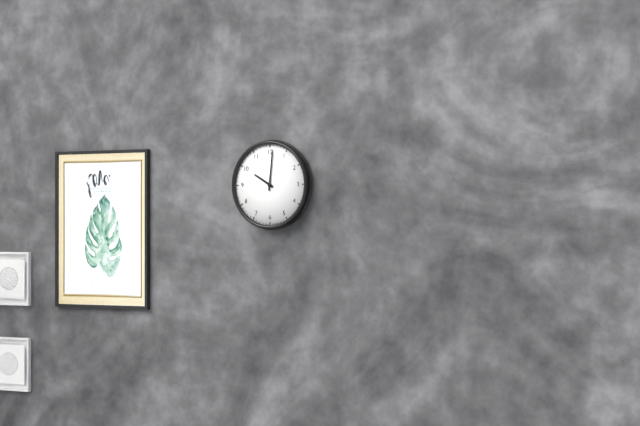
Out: {"hour": 10, "minute": 1}
